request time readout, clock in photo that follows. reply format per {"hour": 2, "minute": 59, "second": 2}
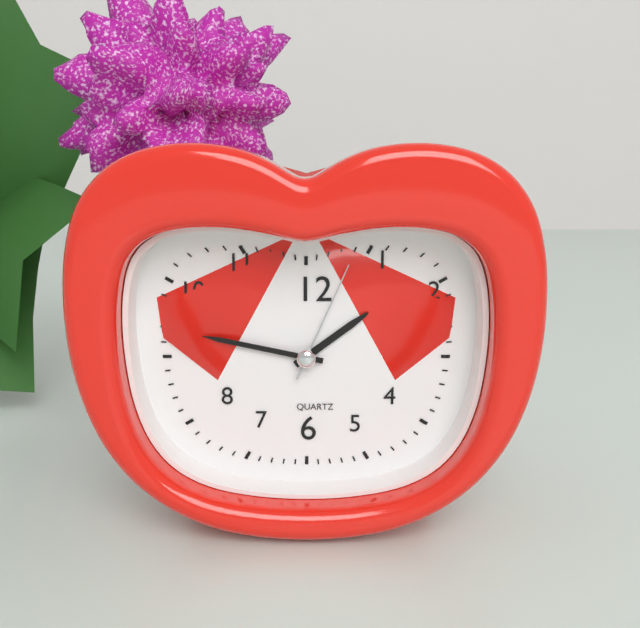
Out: {"hour": 1, "minute": 47, "second": 4}
